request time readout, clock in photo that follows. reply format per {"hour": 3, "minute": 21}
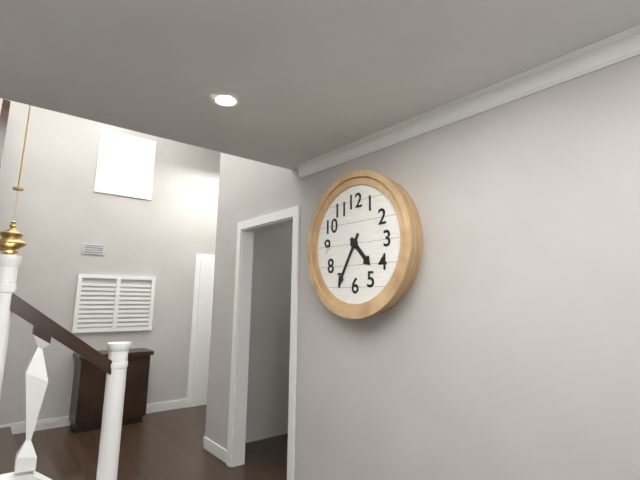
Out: {"hour": 4, "minute": 35}
